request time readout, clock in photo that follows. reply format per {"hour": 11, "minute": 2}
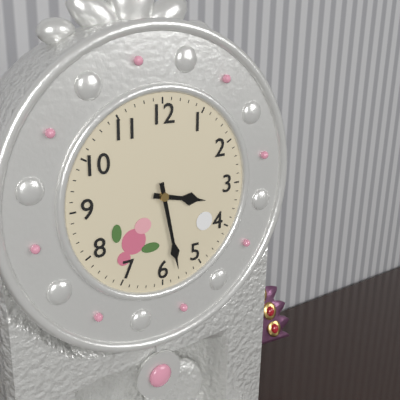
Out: {"hour": 3, "minute": 28}
